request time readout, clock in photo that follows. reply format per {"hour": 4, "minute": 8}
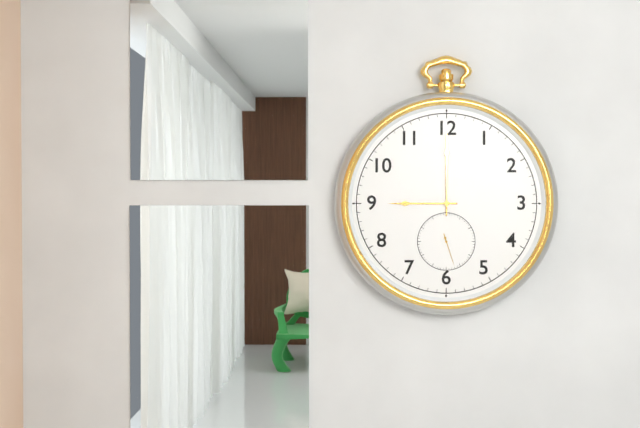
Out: {"hour": 9, "minute": 0}
